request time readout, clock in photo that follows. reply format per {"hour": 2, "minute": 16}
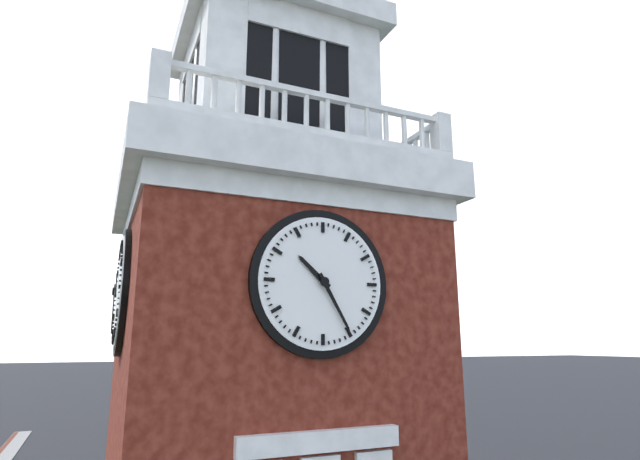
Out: {"hour": 10, "minute": 25}
